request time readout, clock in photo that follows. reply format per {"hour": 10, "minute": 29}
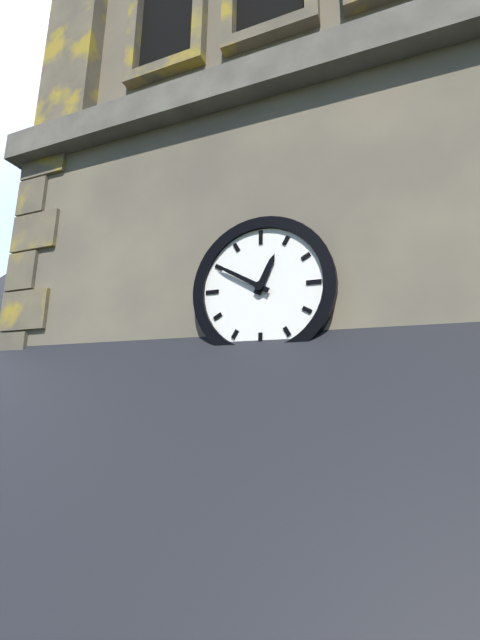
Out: {"hour": 12, "minute": 50}
